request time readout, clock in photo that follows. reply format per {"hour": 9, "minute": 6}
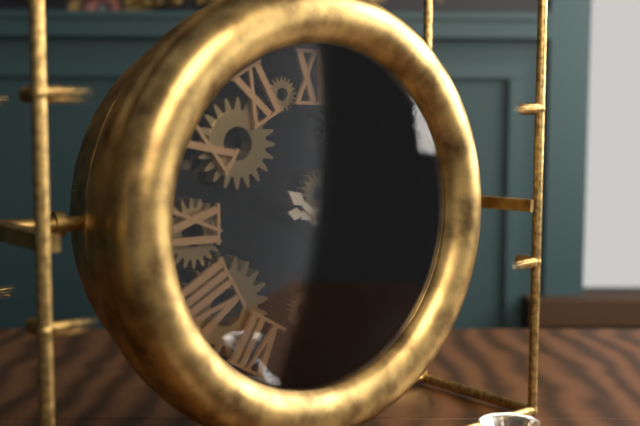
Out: {"hour": 3, "minute": 21}
